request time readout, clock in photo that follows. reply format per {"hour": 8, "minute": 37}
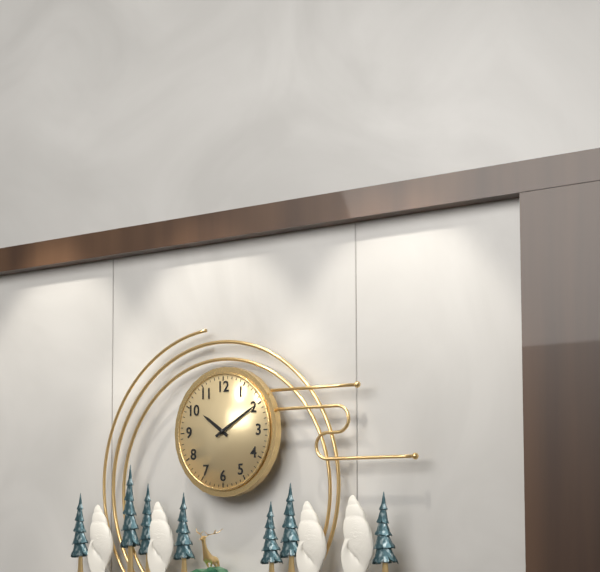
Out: {"hour": 10, "minute": 10}
